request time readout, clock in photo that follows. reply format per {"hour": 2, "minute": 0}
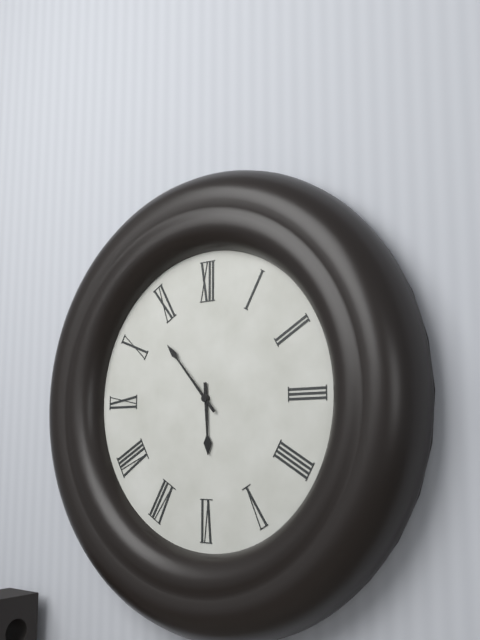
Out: {"hour": 5, "minute": 53}
